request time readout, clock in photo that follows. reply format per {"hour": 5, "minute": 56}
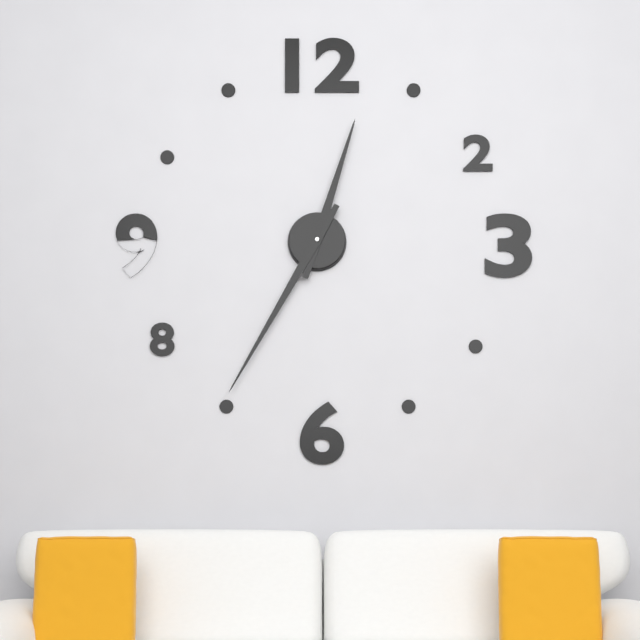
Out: {"hour": 12, "minute": 35}
